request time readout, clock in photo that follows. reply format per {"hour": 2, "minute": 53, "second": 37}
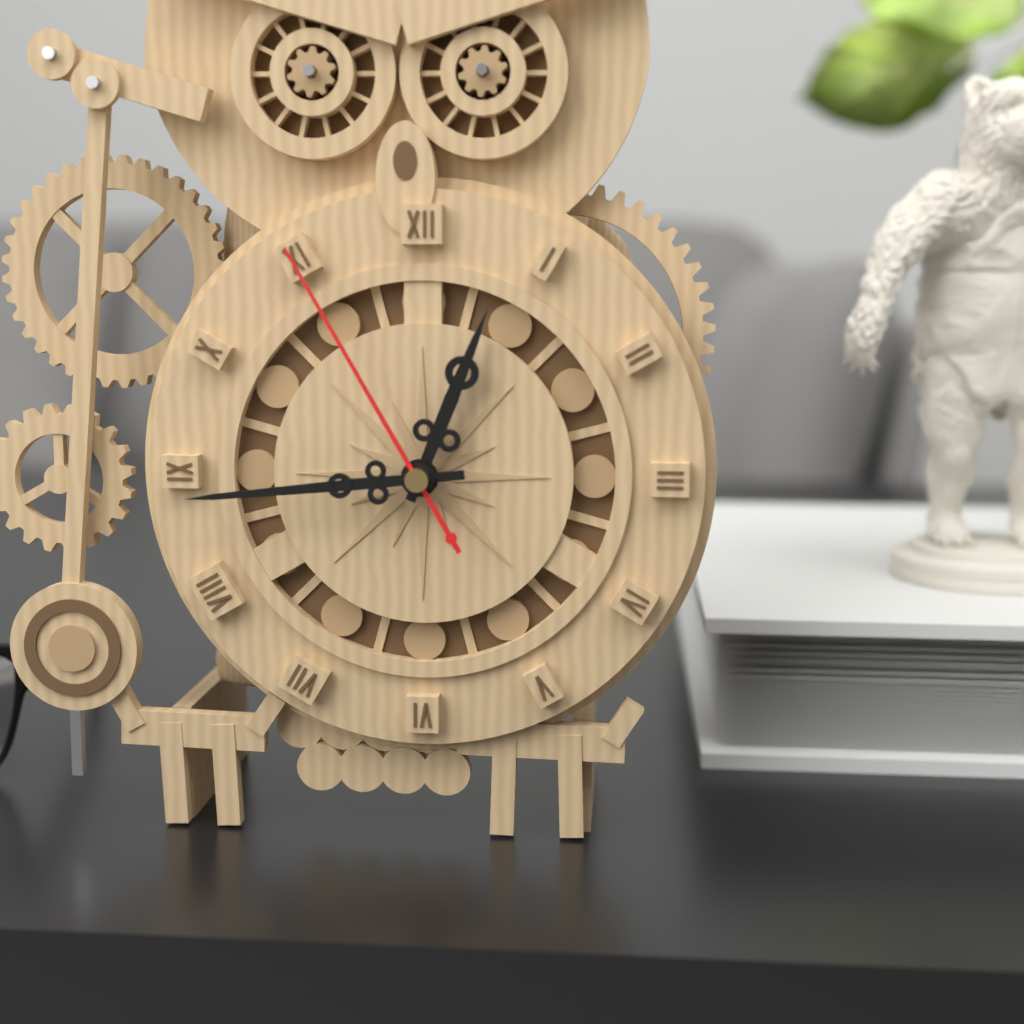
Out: {"hour": 12, "minute": 44, "second": 55}
